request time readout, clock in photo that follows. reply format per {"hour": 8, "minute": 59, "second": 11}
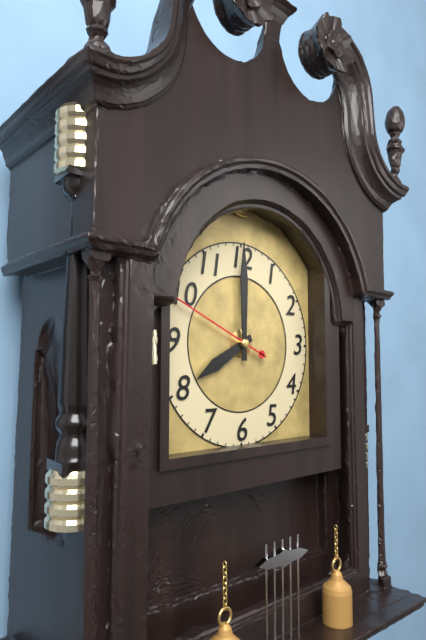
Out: {"hour": 8, "minute": 0, "second": 49}
